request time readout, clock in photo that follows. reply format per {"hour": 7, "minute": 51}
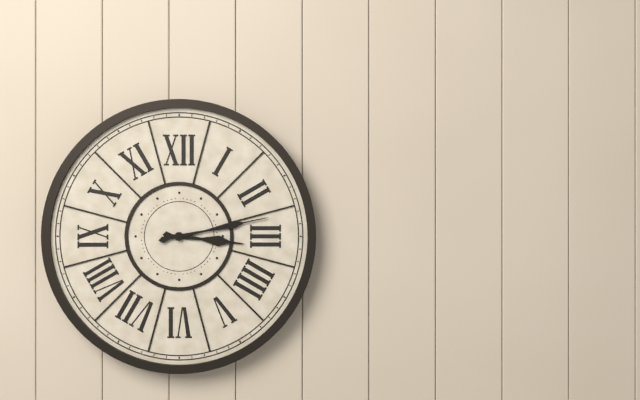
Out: {"hour": 3, "minute": 13}
